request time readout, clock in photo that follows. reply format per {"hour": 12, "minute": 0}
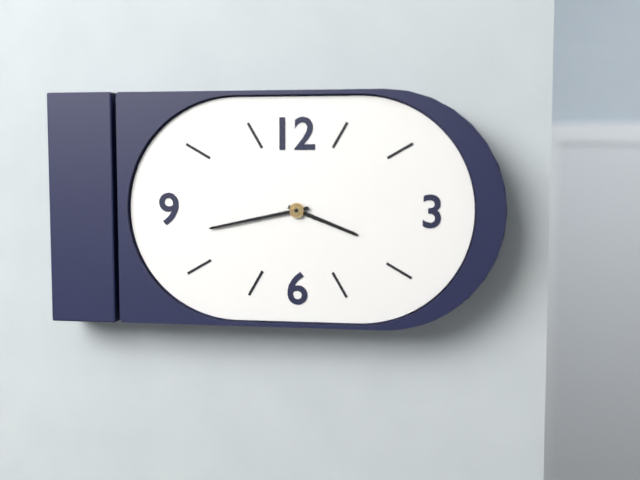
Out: {"hour": 3, "minute": 43}
